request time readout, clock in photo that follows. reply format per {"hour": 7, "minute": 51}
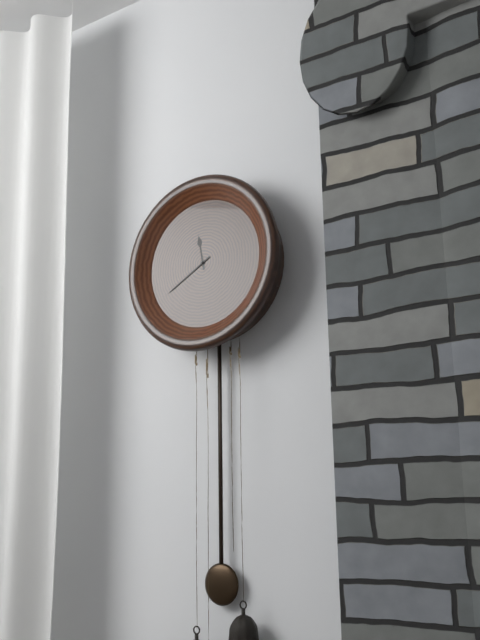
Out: {"hour": 11, "minute": 40}
